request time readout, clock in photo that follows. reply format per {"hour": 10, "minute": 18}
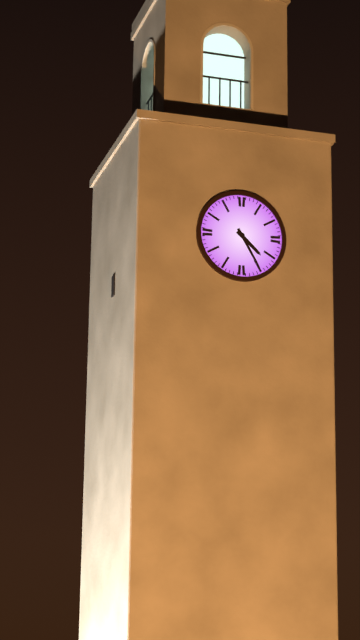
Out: {"hour": 4, "minute": 25}
